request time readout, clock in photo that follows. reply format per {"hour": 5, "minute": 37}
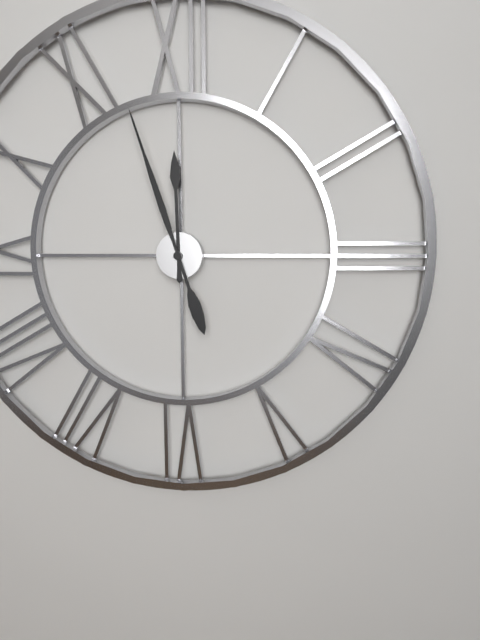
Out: {"hour": 11, "minute": 57}
